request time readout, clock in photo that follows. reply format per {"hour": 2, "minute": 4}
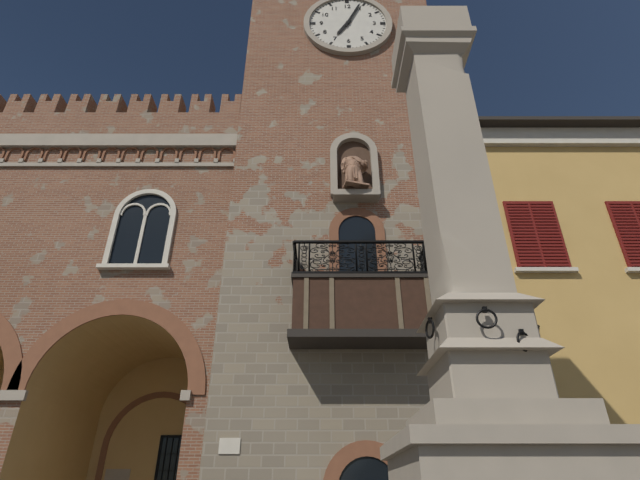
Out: {"hour": 7, "minute": 4}
